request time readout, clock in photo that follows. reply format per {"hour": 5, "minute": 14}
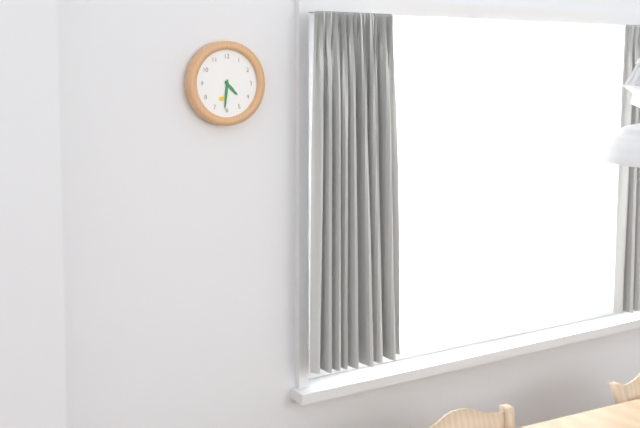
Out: {"hour": 4, "minute": 31}
